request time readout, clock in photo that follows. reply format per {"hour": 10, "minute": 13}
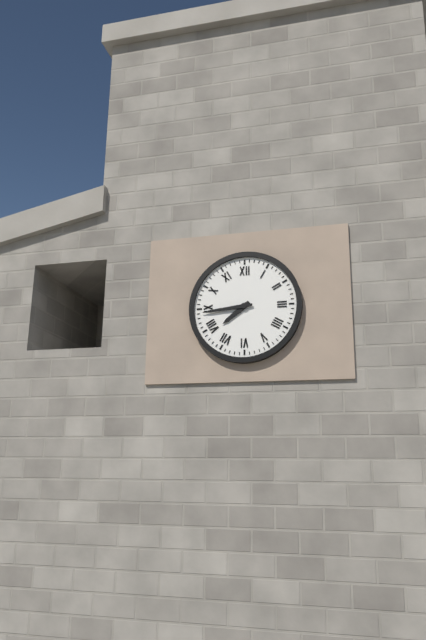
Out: {"hour": 7, "minute": 44}
